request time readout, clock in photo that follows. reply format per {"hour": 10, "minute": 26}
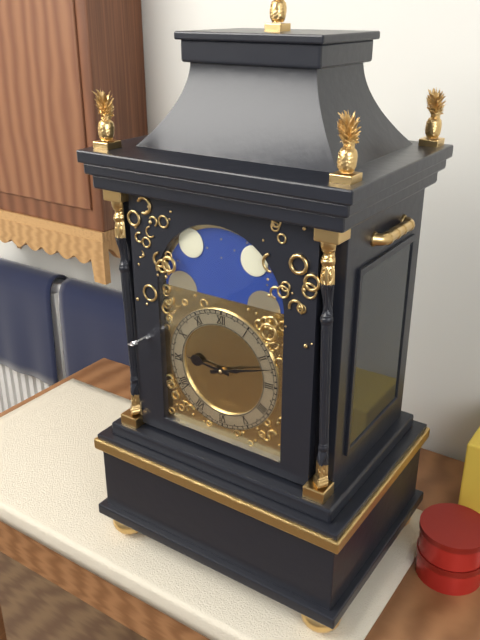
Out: {"hour": 9, "minute": 12}
